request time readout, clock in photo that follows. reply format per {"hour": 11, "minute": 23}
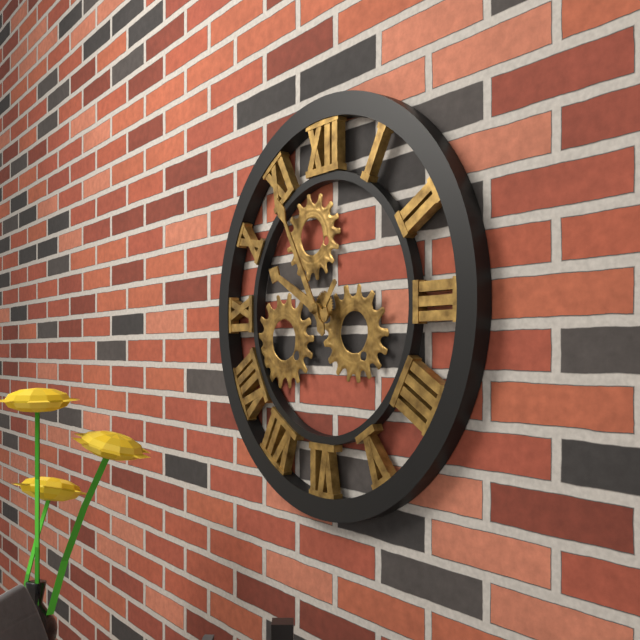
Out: {"hour": 9, "minute": 55}
